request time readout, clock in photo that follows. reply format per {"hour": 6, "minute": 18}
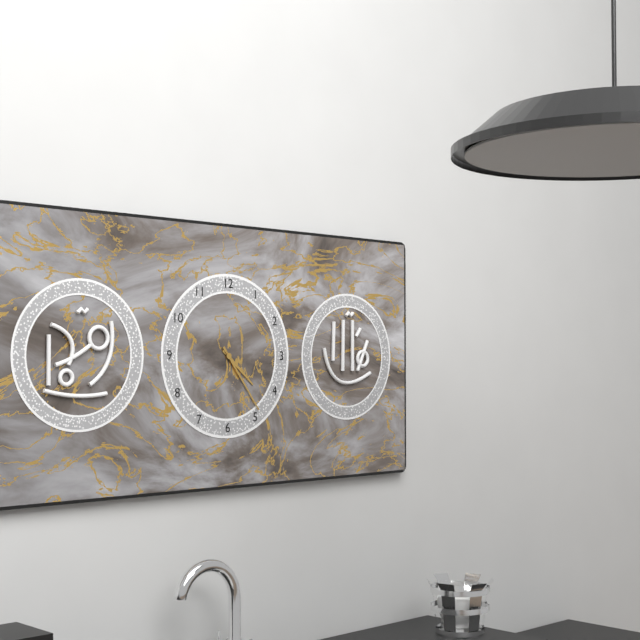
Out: {"hour": 4, "minute": 24}
